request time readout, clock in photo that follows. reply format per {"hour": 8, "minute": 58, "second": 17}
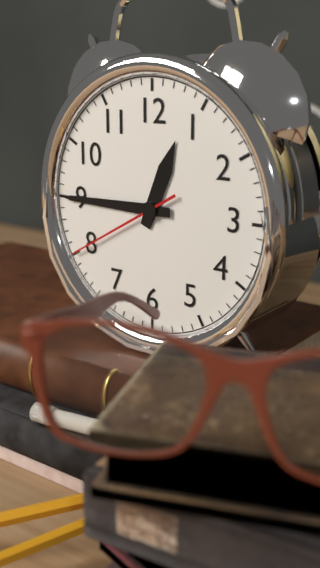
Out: {"hour": 12, "minute": 45, "second": 40}
